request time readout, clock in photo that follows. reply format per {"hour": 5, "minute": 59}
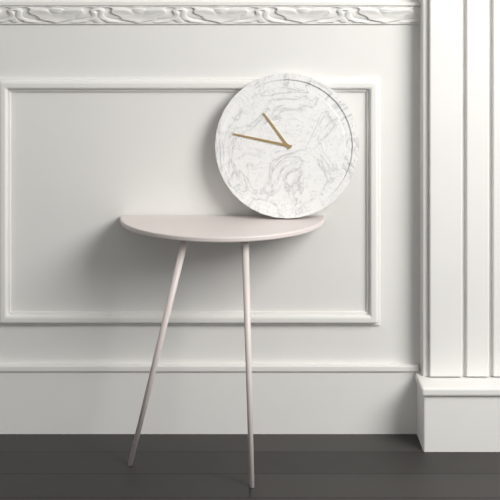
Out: {"hour": 10, "minute": 47}
